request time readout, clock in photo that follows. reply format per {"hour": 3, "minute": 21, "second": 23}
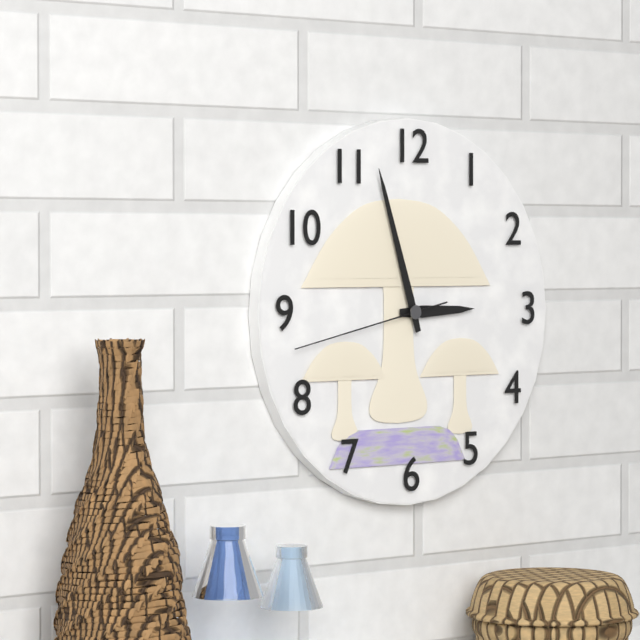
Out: {"hour": 2, "minute": 57, "second": 43}
